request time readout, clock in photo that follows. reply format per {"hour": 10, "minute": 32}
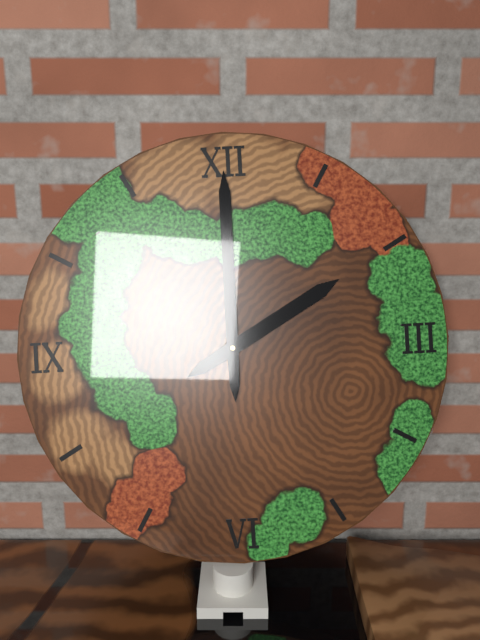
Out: {"hour": 2, "minute": 0}
